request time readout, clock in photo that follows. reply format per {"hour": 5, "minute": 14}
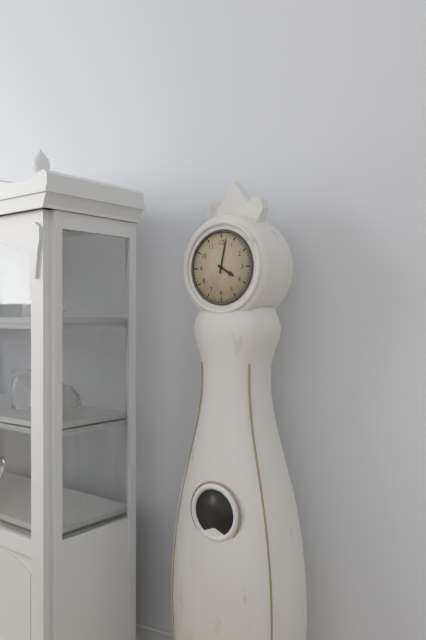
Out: {"hour": 4, "minute": 2}
